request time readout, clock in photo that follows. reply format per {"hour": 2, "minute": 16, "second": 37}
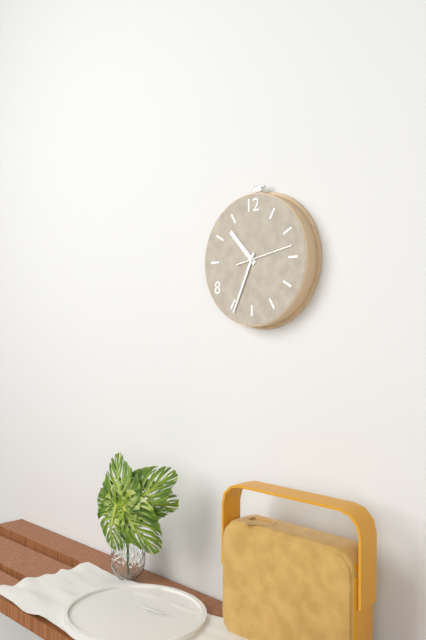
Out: {"hour": 10, "minute": 34, "second": 13}
